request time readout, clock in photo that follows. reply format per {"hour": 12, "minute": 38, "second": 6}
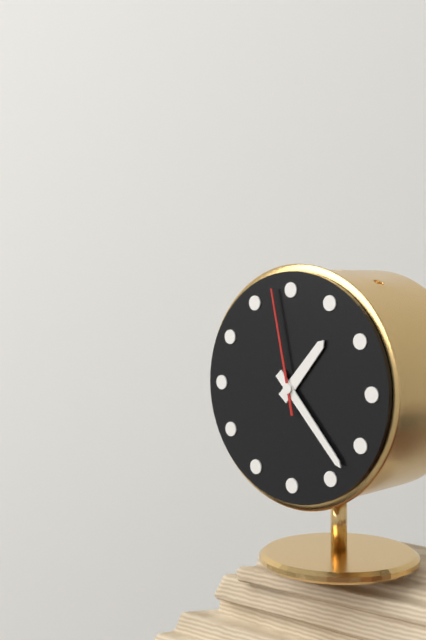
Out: {"hour": 1, "minute": 23, "second": 58}
